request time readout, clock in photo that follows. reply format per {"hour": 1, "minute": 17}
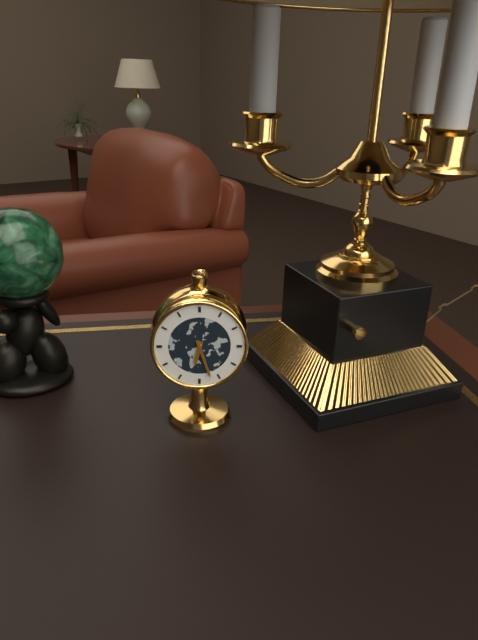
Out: {"hour": 6, "minute": 27}
